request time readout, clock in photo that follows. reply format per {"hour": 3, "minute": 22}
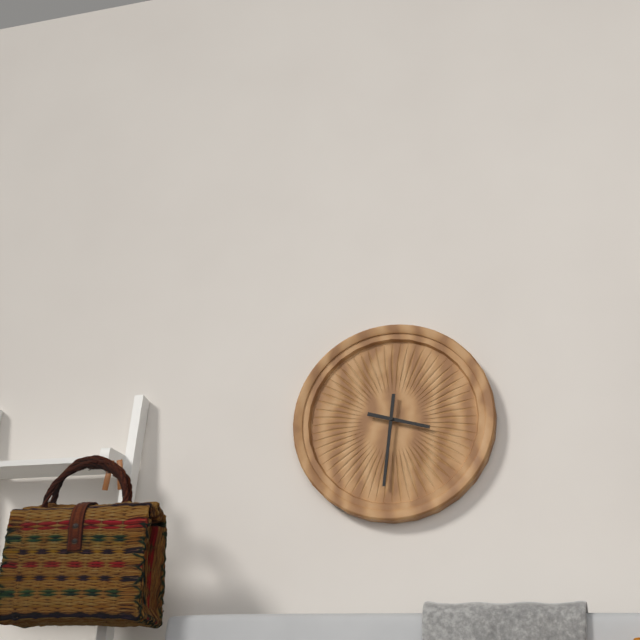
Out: {"hour": 3, "minute": 31}
